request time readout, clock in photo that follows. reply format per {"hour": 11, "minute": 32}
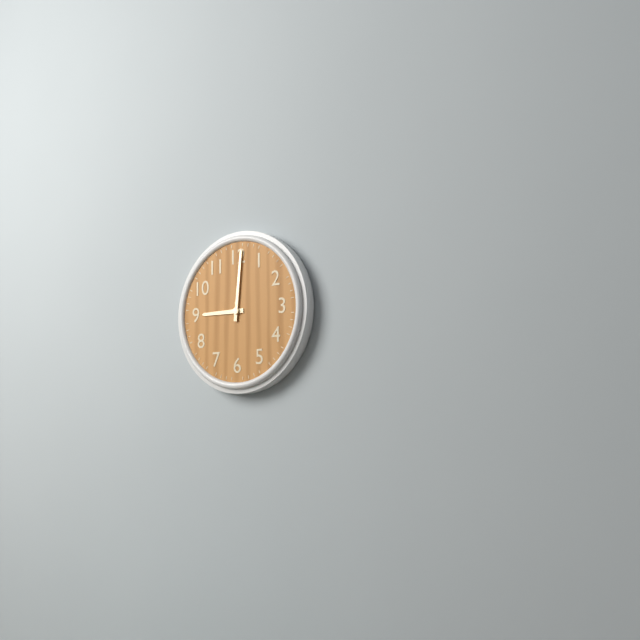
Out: {"hour": 9, "minute": 1}
